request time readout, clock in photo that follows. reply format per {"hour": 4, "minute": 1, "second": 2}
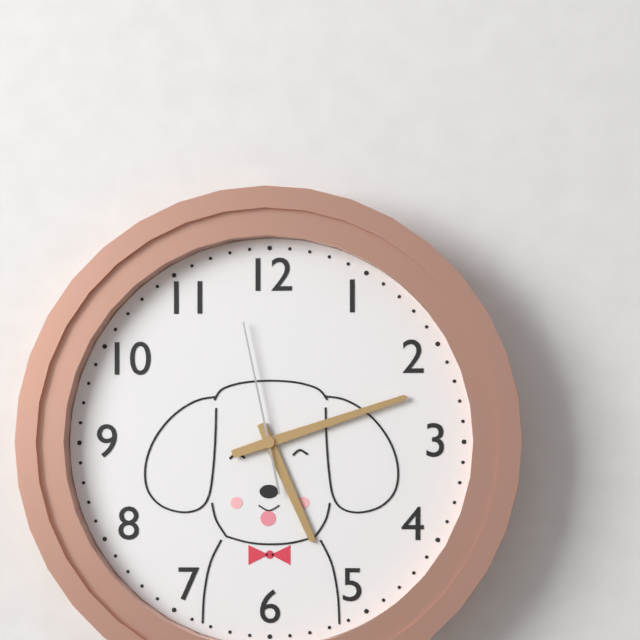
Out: {"hour": 5, "minute": 12, "second": 58}
